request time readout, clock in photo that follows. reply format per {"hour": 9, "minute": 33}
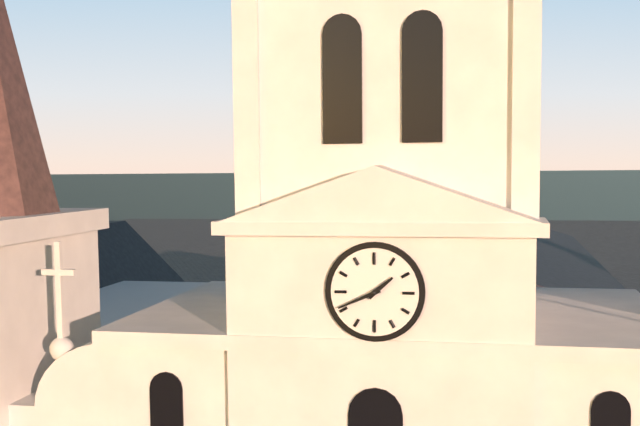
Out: {"hour": 1, "minute": 41}
